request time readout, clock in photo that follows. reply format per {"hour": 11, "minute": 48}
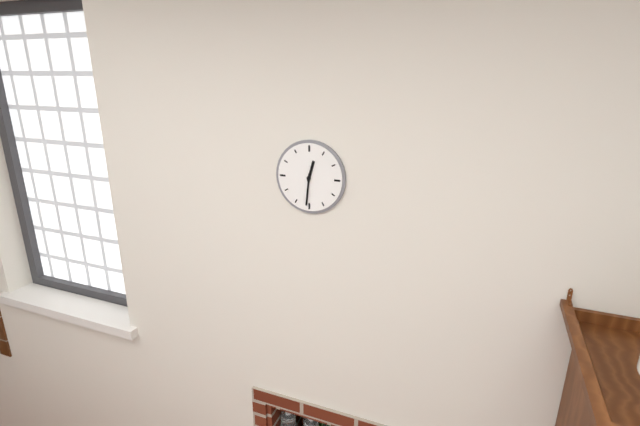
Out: {"hour": 12, "minute": 31}
